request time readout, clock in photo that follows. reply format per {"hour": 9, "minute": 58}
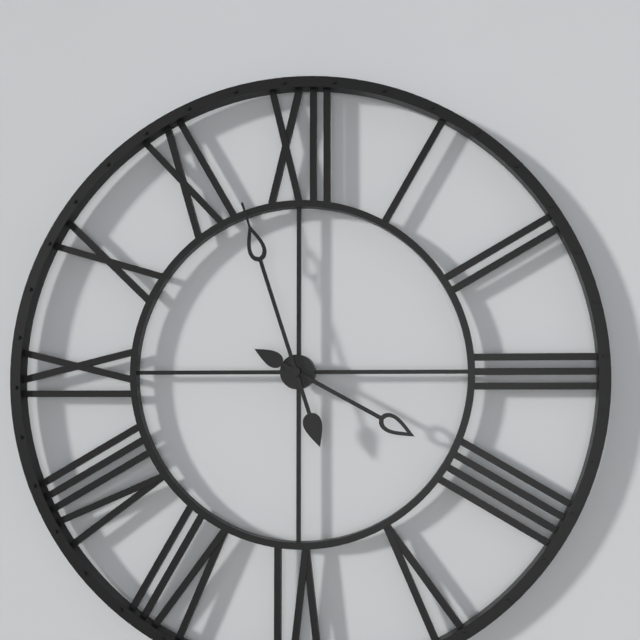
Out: {"hour": 3, "minute": 57}
